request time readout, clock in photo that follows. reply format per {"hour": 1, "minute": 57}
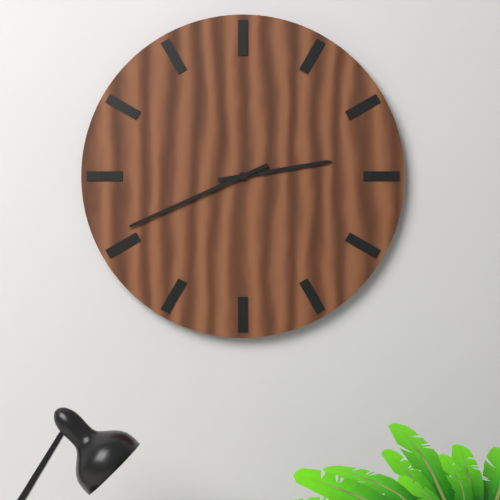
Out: {"hour": 2, "minute": 41}
